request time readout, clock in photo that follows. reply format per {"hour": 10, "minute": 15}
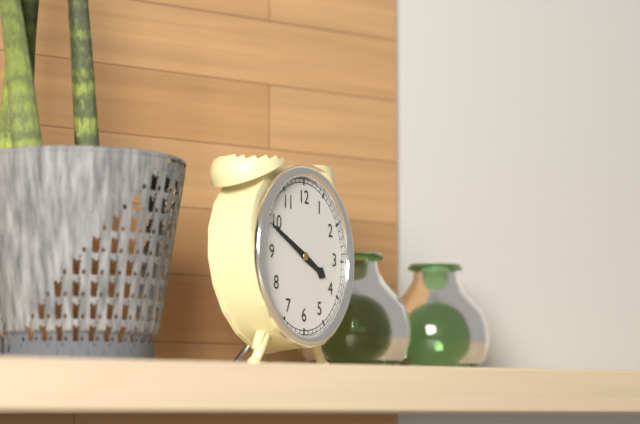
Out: {"hour": 3, "minute": 49}
